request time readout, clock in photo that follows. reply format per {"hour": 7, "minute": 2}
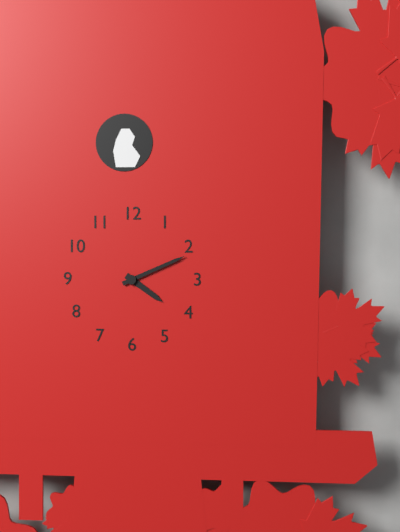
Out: {"hour": 4, "minute": 11}
